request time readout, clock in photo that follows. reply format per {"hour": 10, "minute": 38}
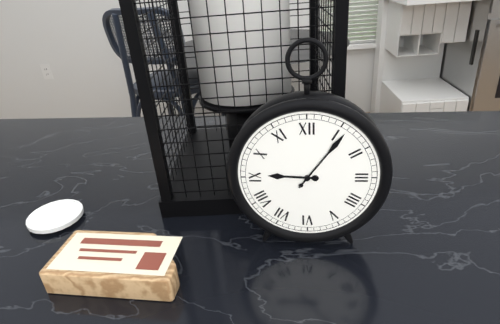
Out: {"hour": 9, "minute": 6}
